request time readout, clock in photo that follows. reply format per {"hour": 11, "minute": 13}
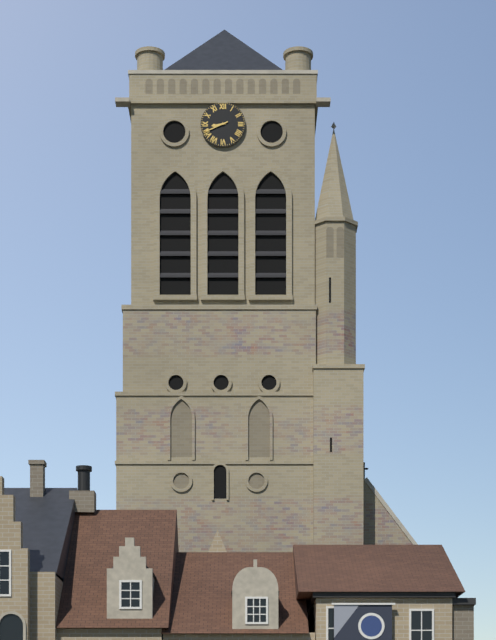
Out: {"hour": 8, "minute": 41}
